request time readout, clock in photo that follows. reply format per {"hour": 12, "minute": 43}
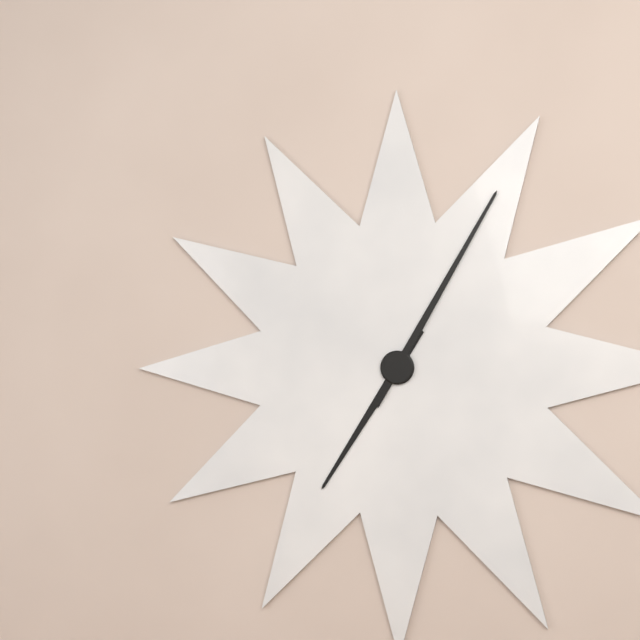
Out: {"hour": 7, "minute": 5}
